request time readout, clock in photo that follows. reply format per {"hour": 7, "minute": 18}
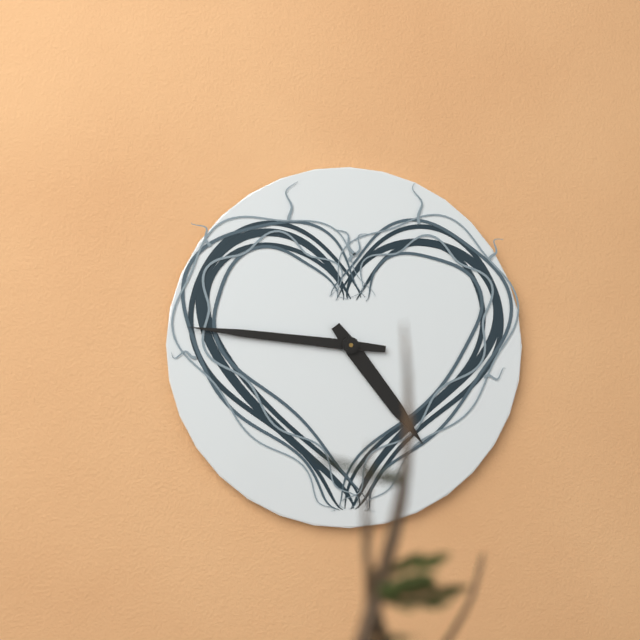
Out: {"hour": 4, "minute": 46}
